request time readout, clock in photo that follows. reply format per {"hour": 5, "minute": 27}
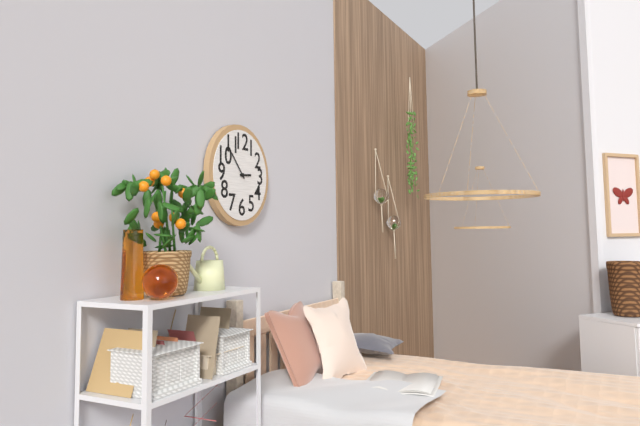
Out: {"hour": 2, "minute": 53}
